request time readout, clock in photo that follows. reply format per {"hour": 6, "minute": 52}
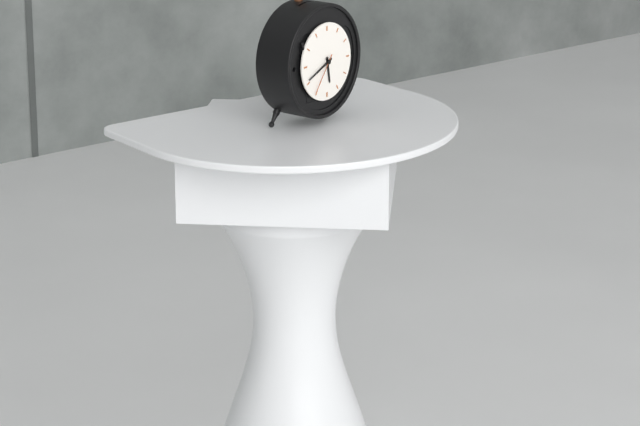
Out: {"hour": 5, "minute": 41}
